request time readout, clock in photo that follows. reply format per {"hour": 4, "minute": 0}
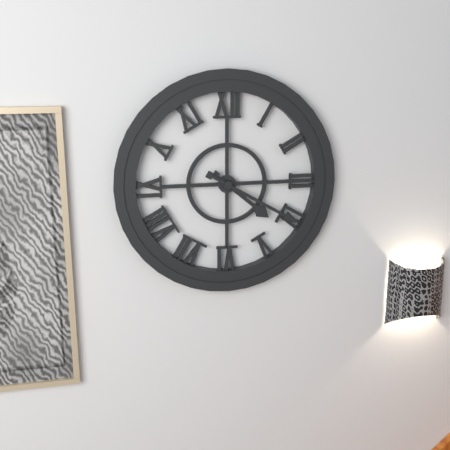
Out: {"hour": 4, "minute": 20}
